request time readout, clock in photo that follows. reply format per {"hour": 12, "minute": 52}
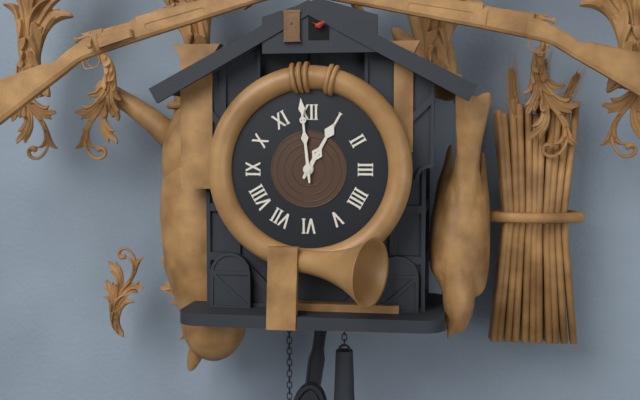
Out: {"hour": 12, "minute": 59}
